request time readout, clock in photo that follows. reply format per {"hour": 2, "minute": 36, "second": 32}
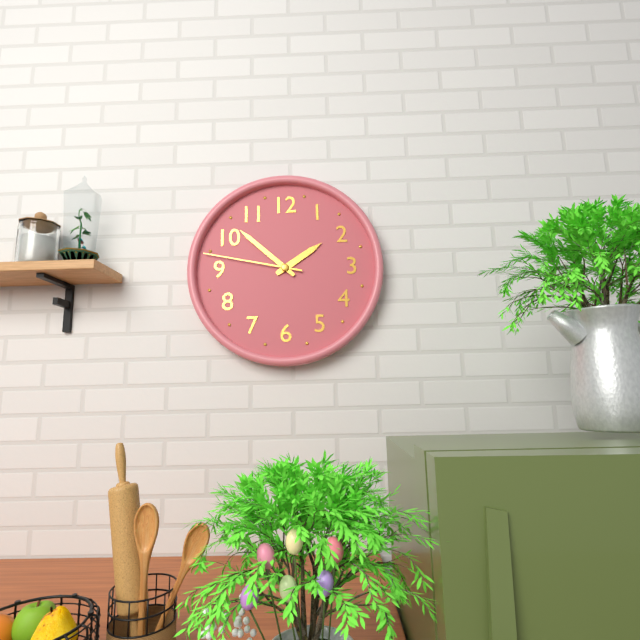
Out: {"hour": 1, "minute": 52, "second": 47}
